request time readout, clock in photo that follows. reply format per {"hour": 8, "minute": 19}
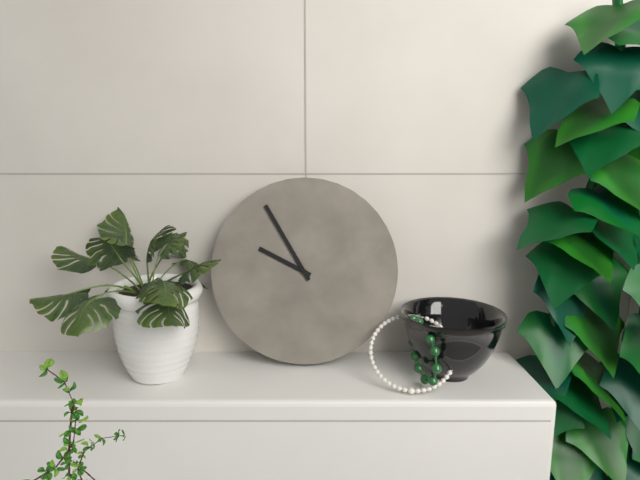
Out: {"hour": 9, "minute": 55}
